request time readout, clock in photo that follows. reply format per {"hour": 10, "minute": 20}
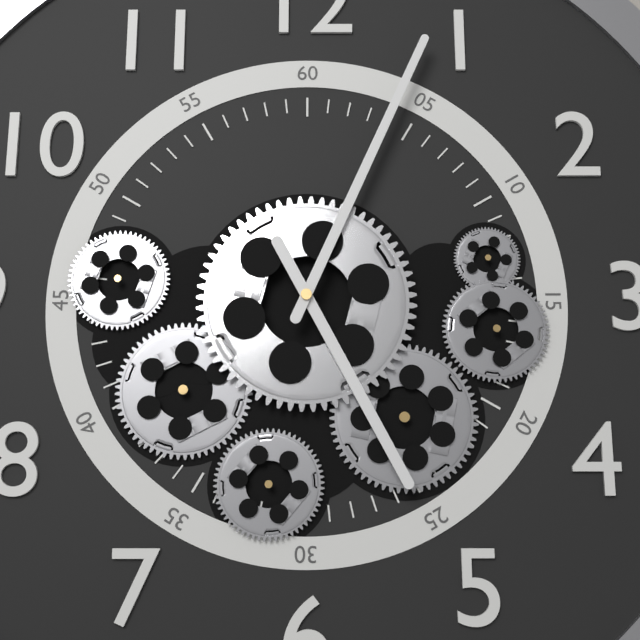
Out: {"hour": 5, "minute": 4}
